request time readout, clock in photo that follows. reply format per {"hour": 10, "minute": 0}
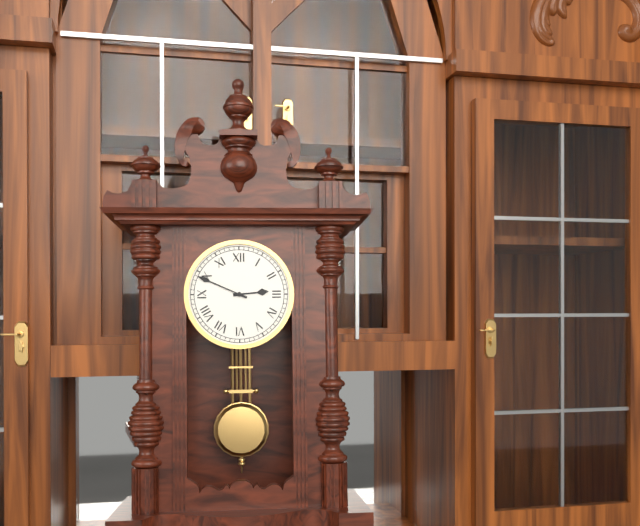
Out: {"hour": 2, "minute": 49}
